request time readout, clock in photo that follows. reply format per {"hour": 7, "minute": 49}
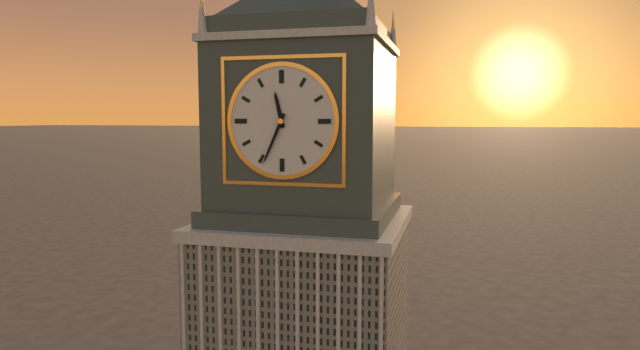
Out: {"hour": 11, "minute": 34}
